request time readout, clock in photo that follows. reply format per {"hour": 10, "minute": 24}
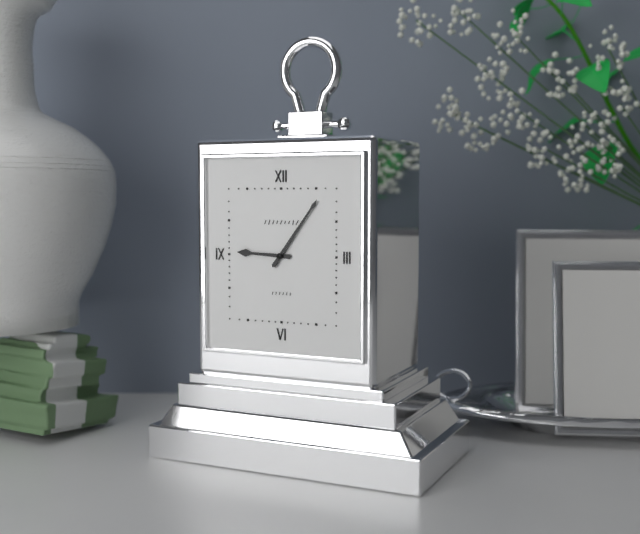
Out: {"hour": 9, "minute": 6}
